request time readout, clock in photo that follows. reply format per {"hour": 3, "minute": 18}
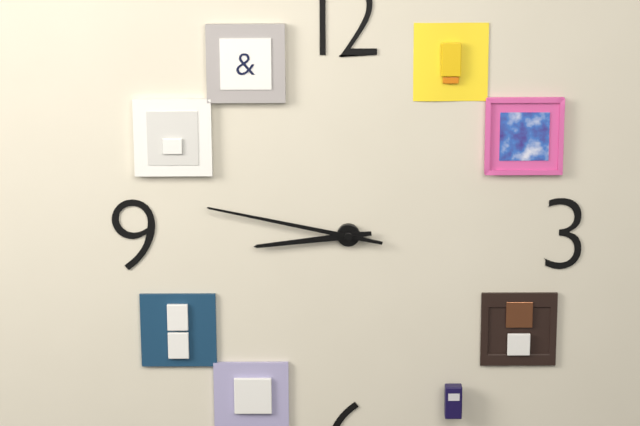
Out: {"hour": 8, "minute": 47}
